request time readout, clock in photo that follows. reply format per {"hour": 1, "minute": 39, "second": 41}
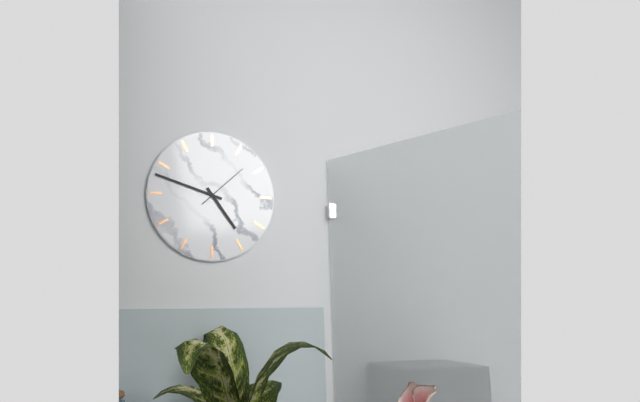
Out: {"hour": 4, "minute": 48, "second": 8}
